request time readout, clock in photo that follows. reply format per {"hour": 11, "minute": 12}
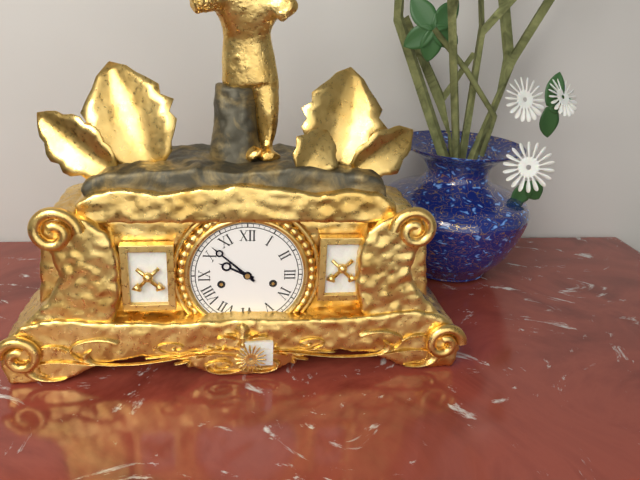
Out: {"hour": 9, "minute": 52}
